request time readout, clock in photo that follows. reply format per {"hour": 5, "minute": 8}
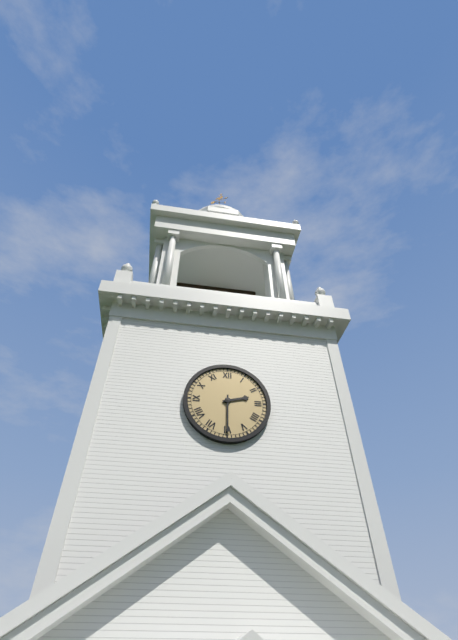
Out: {"hour": 2, "minute": 30}
